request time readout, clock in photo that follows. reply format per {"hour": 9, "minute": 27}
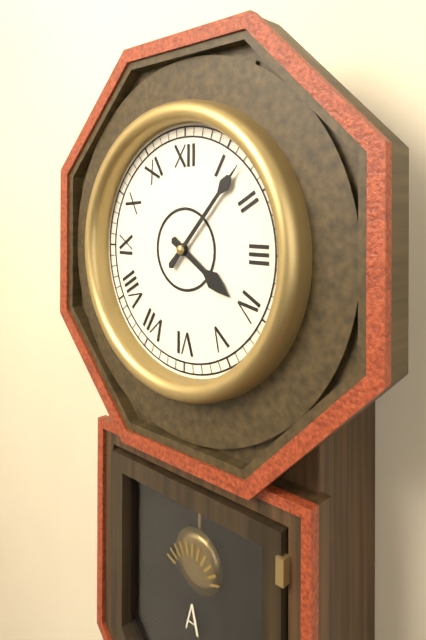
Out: {"hour": 4, "minute": 7}
